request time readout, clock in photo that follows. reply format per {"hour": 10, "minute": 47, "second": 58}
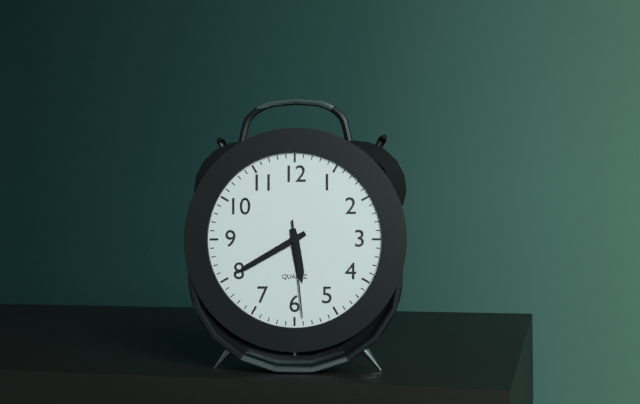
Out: {"hour": 5, "minute": 40, "second": 29}
